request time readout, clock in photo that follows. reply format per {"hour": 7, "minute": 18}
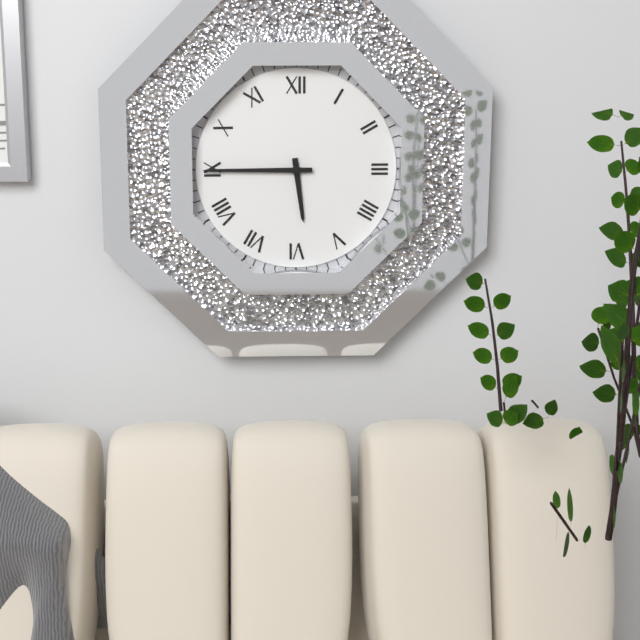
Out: {"hour": 5, "minute": 45}
